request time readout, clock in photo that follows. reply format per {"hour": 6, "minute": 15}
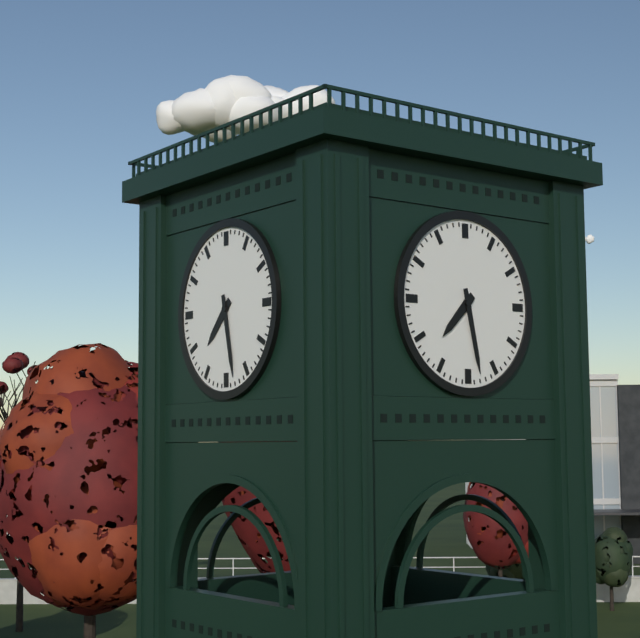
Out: {"hour": 7, "minute": 28}
